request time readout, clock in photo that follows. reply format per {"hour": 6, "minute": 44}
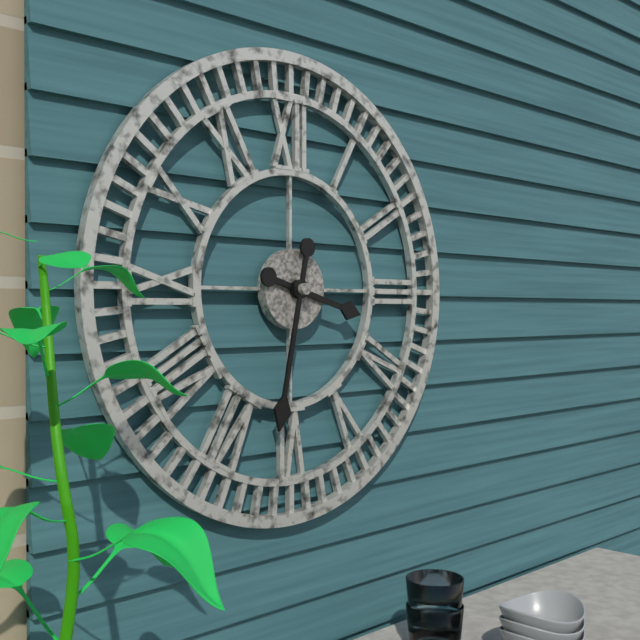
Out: {"hour": 3, "minute": 32}
